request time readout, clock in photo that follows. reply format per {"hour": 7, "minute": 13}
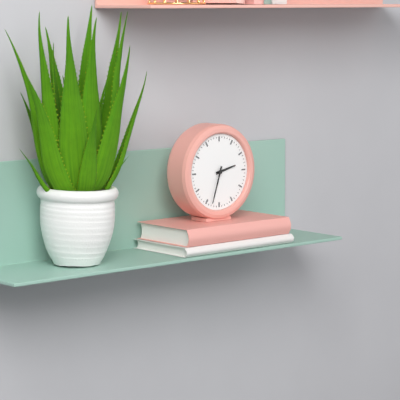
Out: {"hour": 2, "minute": 33}
